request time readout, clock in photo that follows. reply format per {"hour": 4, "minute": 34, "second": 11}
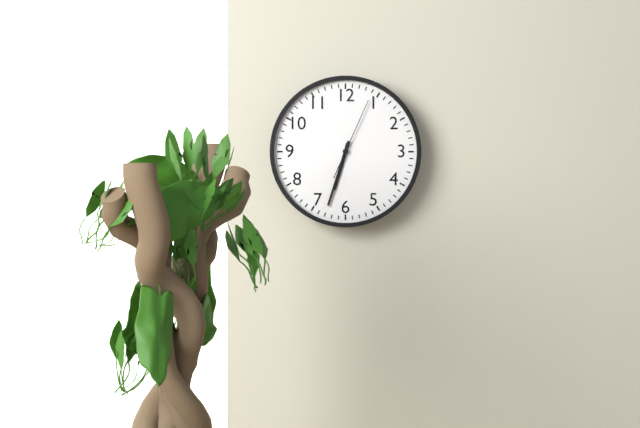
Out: {"hour": 6, "minute": 33, "second": 4}
